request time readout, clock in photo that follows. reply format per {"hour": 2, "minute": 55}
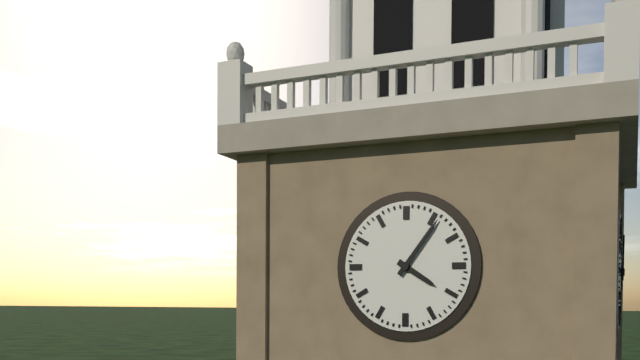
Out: {"hour": 4, "minute": 6}
